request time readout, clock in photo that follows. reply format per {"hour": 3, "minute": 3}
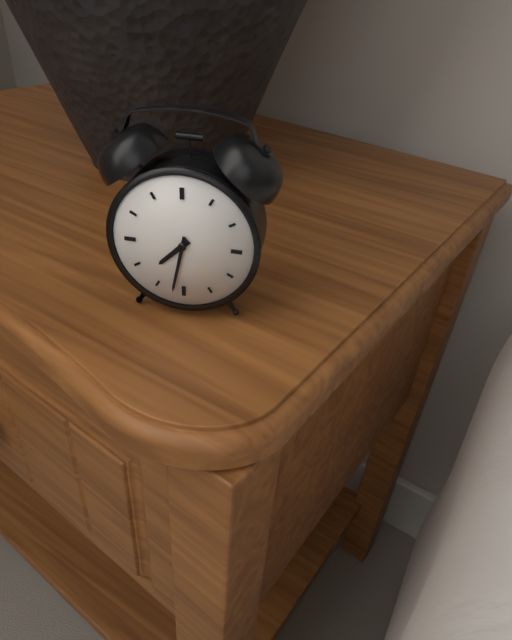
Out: {"hour": 7, "minute": 32}
